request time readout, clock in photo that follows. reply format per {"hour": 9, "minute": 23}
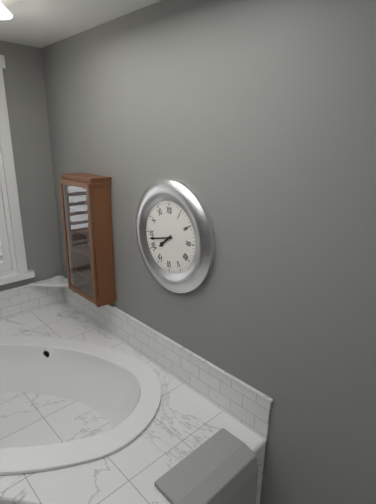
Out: {"hour": 7, "minute": 43}
